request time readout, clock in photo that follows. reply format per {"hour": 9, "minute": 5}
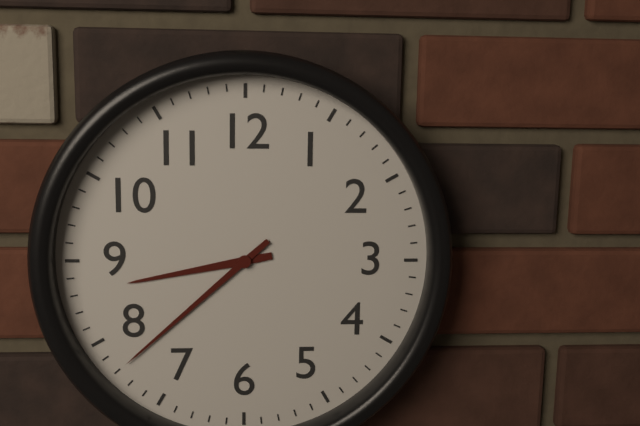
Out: {"hour": 8, "minute": 38}
